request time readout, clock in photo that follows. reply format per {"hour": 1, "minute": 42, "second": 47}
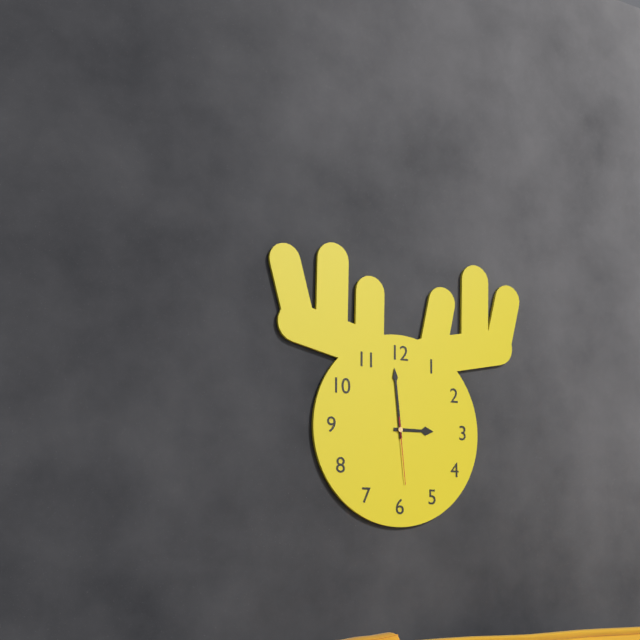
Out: {"hour": 2, "minute": 59, "second": 29}
